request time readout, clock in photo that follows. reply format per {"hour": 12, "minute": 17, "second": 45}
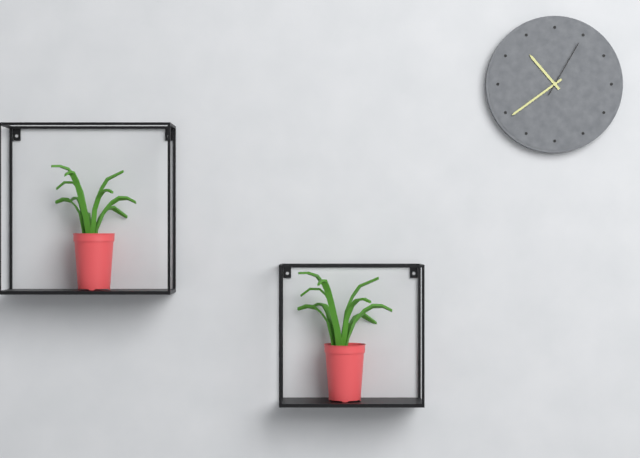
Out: {"hour": 10, "minute": 39, "second": 5}
